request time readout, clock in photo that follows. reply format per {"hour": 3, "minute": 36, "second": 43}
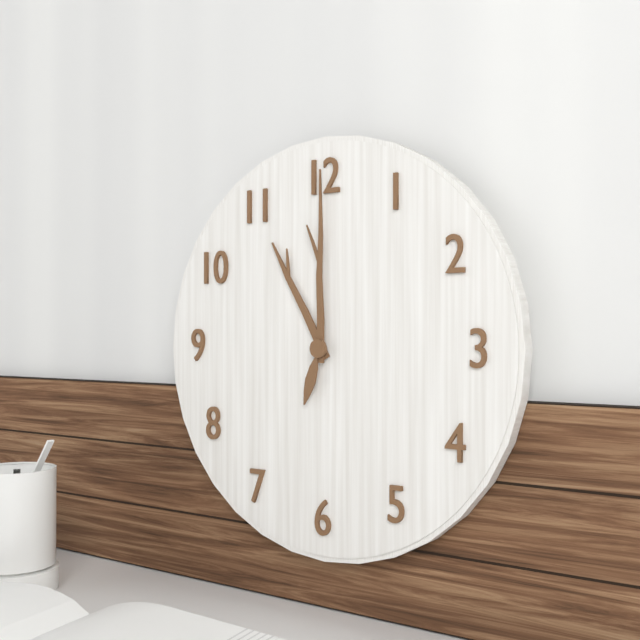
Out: {"hour": 11, "minute": 0, "second": 33}
